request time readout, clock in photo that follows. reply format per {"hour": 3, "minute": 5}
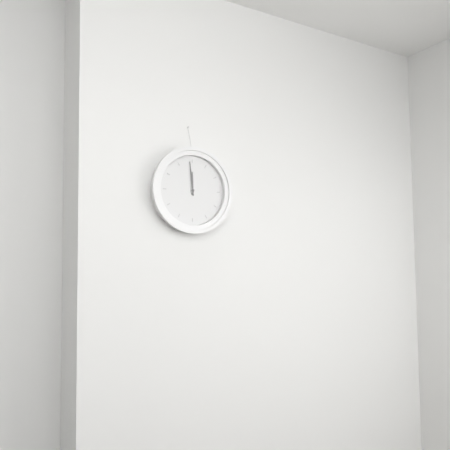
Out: {"hour": 11, "minute": 59}
